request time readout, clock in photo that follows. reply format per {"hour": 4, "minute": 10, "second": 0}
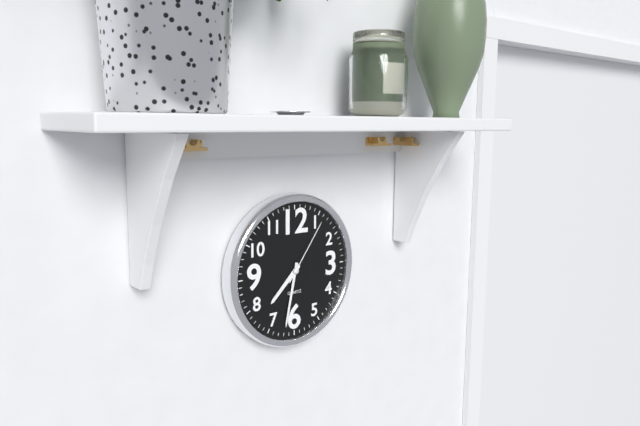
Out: {"hour": 7, "minute": 32, "second": 6}
